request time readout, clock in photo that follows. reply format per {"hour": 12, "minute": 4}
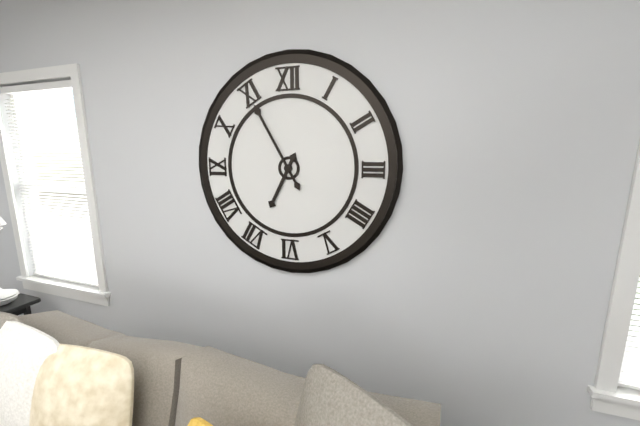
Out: {"hour": 6, "minute": 55}
